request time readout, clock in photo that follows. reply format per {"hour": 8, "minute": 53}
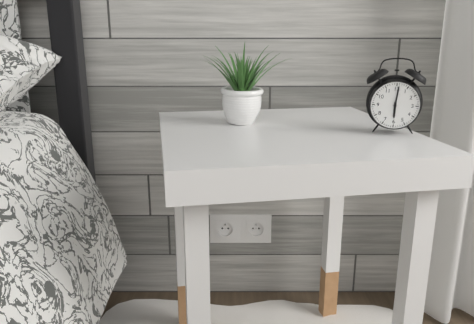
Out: {"hour": 6, "minute": 1}
